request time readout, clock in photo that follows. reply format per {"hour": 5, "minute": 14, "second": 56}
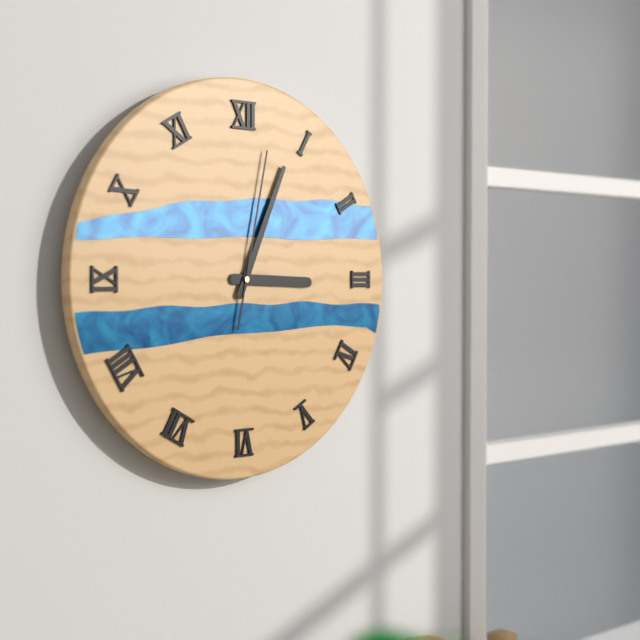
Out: {"hour": 3, "minute": 4, "second": 2}
